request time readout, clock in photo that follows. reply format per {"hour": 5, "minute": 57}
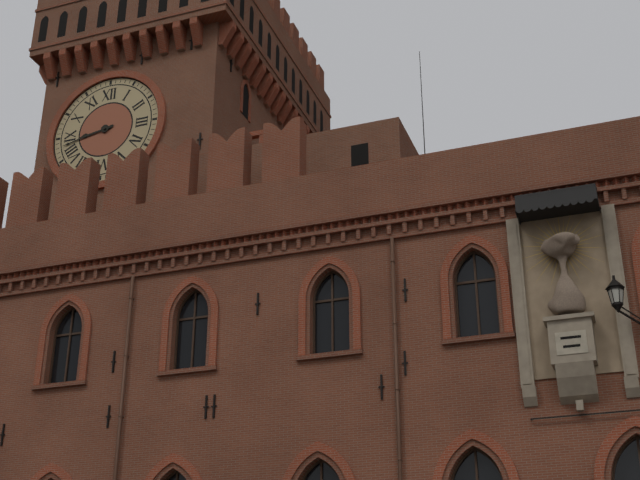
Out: {"hour": 8, "minute": 43}
